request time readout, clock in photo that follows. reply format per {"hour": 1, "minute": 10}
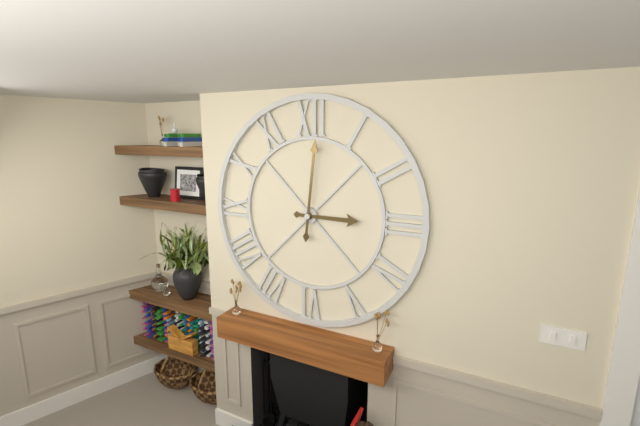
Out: {"hour": 3, "minute": 1}
